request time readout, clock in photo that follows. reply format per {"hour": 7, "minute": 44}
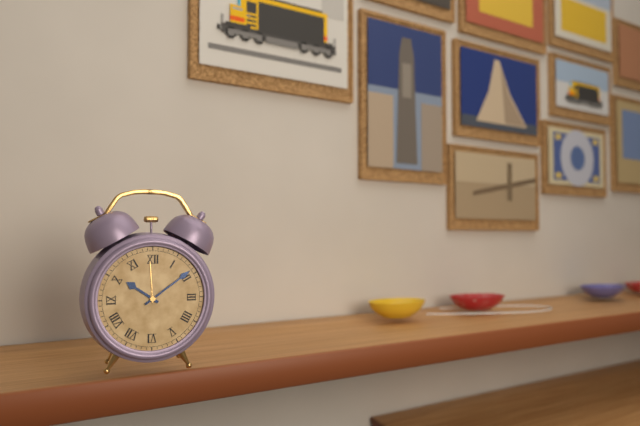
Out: {"hour": 10, "minute": 9}
